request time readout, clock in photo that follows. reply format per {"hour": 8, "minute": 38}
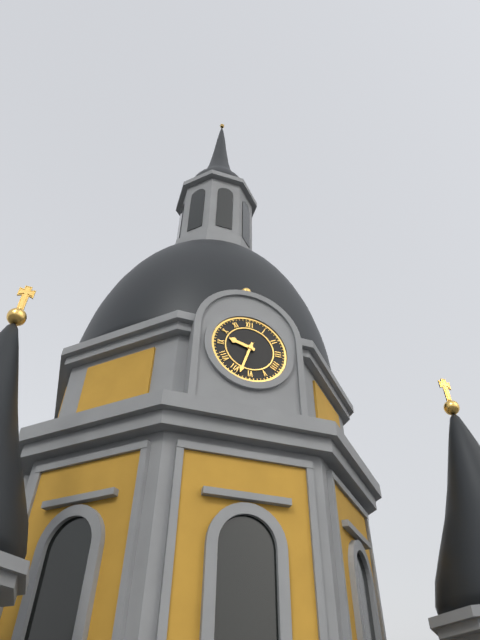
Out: {"hour": 9, "minute": 33}
